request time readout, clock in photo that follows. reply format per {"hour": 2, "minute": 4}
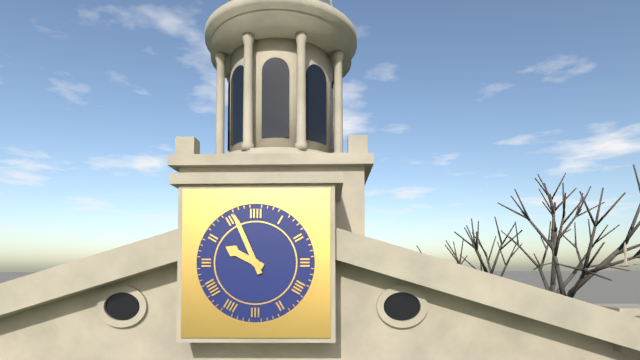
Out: {"hour": 9, "minute": 56}
